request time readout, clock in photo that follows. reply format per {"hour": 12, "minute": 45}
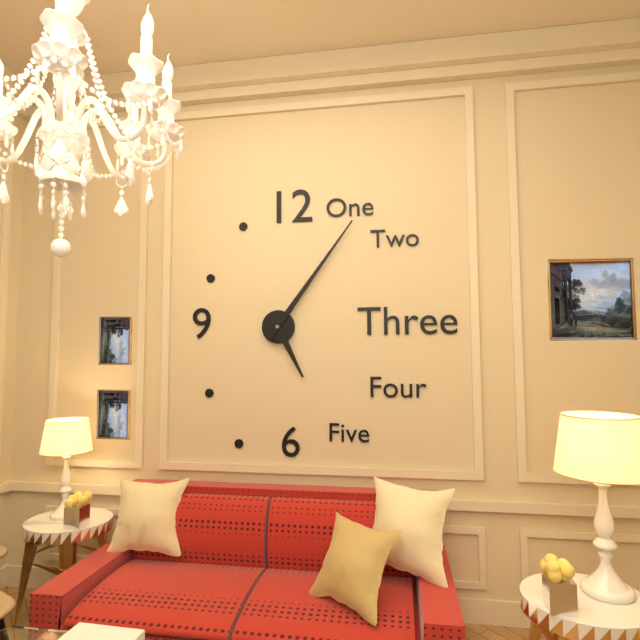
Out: {"hour": 5, "minute": 6}
